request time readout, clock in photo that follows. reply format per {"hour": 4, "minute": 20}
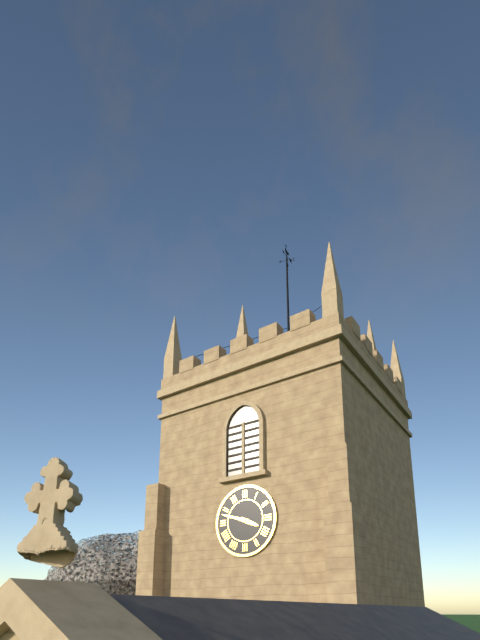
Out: {"hour": 3, "minute": 48}
